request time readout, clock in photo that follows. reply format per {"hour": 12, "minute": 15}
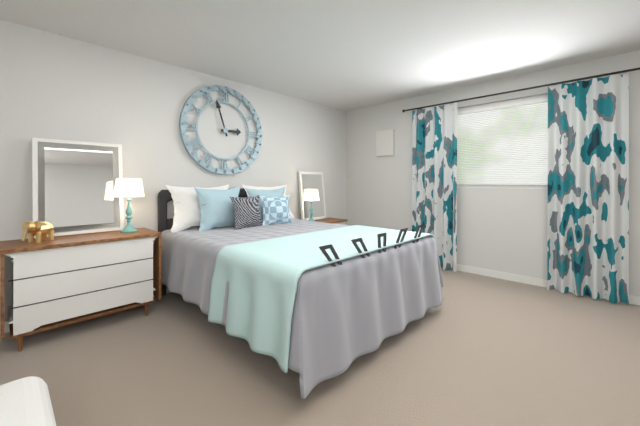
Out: {"hour": 2, "minute": 57}
